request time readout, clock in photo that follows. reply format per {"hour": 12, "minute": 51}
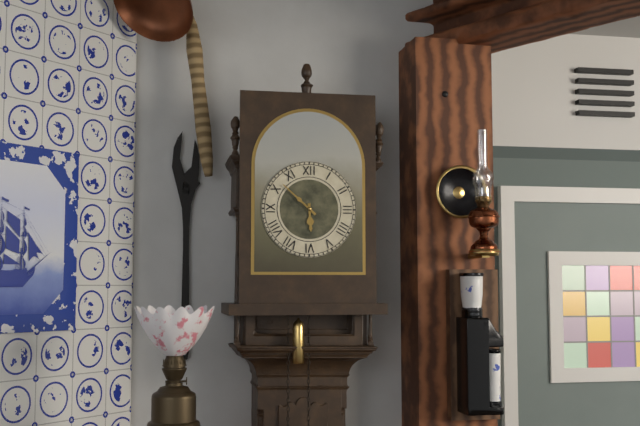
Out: {"hour": 5, "minute": 52}
